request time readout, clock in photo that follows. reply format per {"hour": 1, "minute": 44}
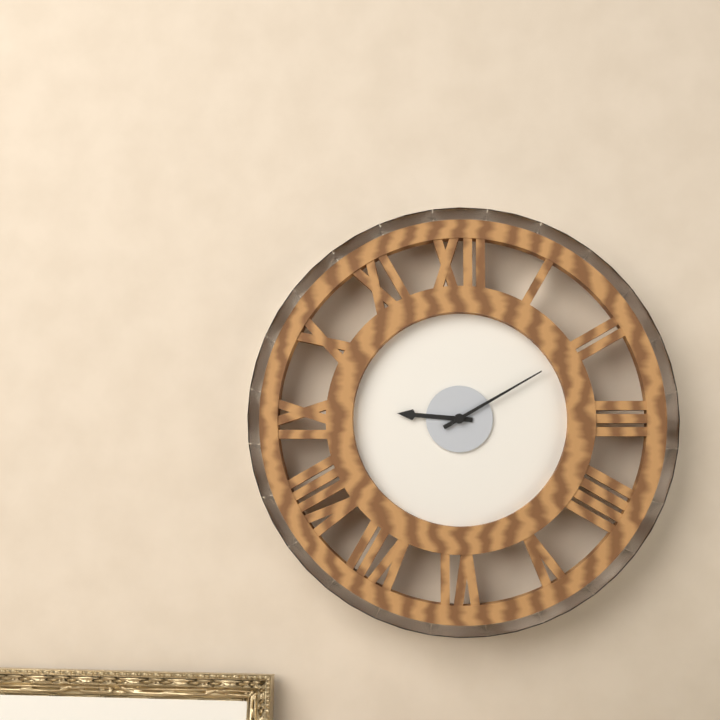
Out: {"hour": 9, "minute": 10}
